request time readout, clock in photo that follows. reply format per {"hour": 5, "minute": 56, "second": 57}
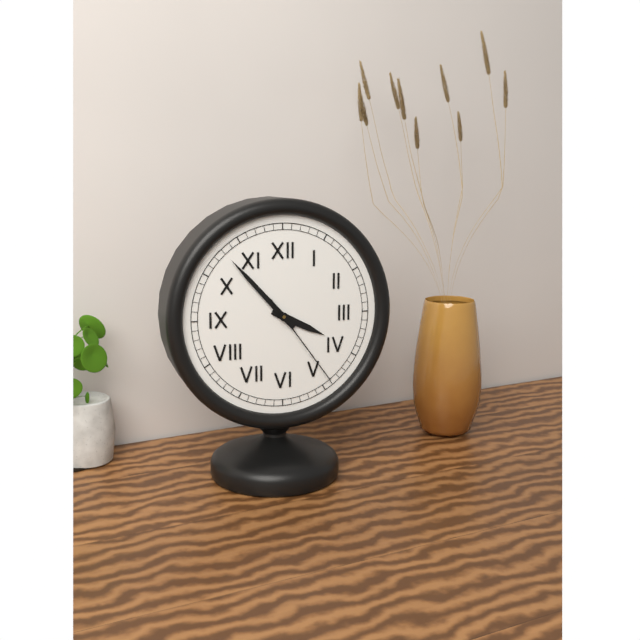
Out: {"hour": 3, "minute": 53, "second": 24}
